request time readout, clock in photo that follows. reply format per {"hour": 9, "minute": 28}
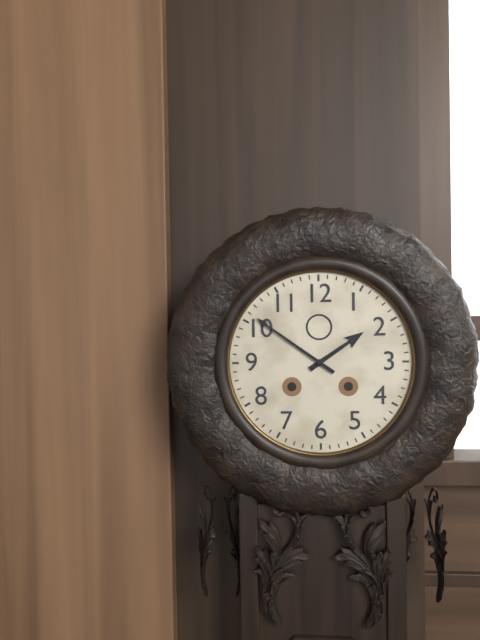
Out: {"hour": 1, "minute": 51}
